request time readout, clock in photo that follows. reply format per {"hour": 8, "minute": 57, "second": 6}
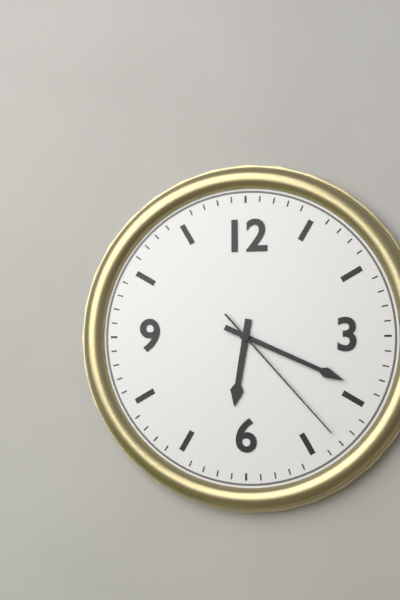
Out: {"hour": 6, "minute": 19, "second": 23}
